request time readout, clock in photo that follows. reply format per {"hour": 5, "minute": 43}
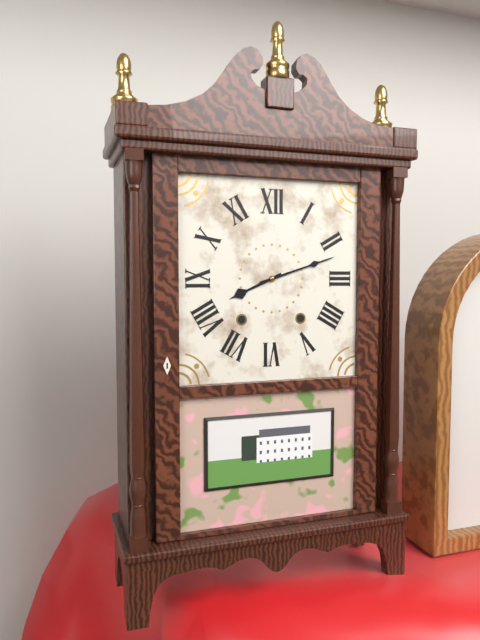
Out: {"hour": 8, "minute": 12}
